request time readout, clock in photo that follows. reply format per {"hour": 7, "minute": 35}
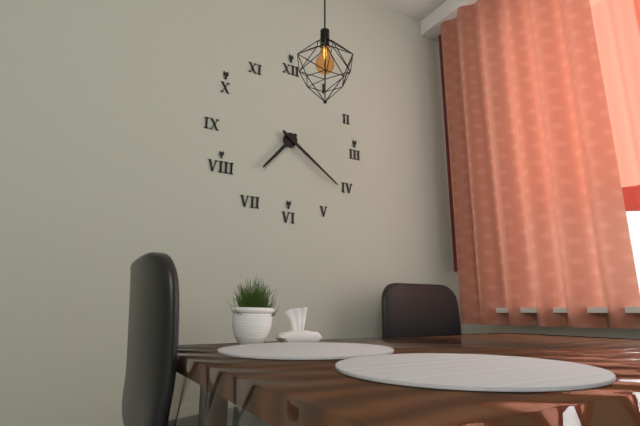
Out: {"hour": 7, "minute": 21}
